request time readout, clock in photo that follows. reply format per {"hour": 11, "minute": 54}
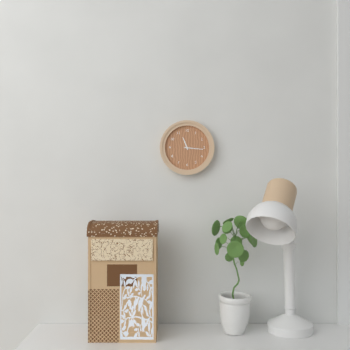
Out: {"hour": 11, "minute": 16}
